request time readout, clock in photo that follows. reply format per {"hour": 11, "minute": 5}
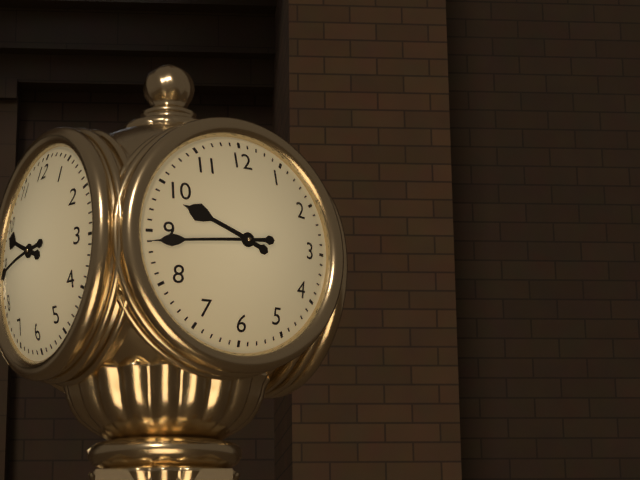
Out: {"hour": 9, "minute": 44}
